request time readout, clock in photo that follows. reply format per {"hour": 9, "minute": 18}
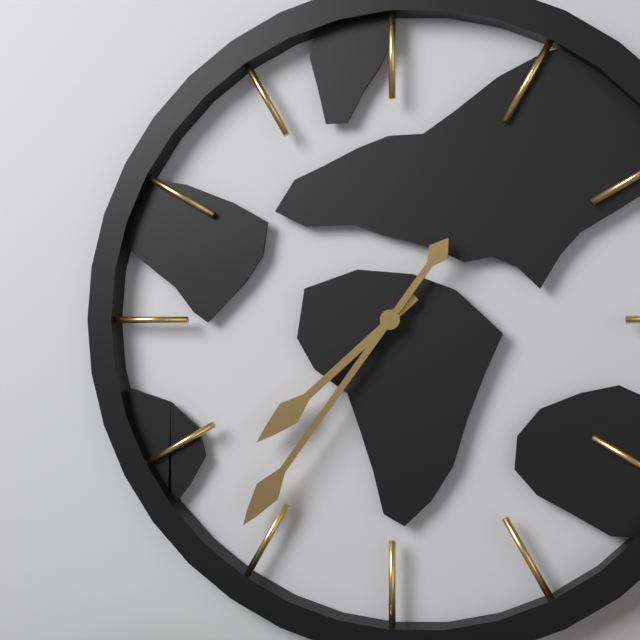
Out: {"hour": 7, "minute": 36}
